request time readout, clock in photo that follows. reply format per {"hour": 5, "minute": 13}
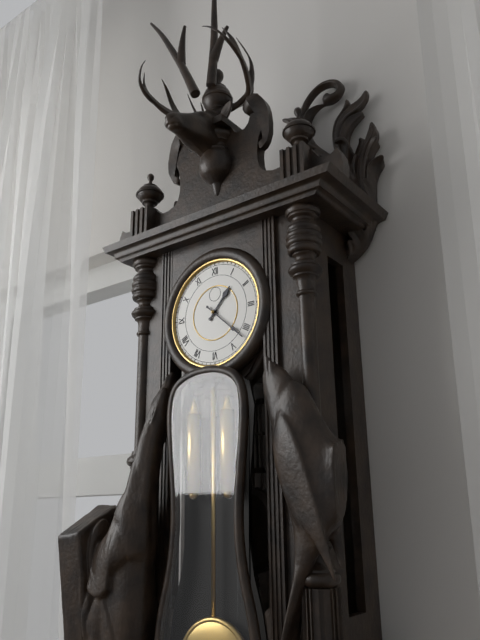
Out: {"hour": 1, "minute": 22}
